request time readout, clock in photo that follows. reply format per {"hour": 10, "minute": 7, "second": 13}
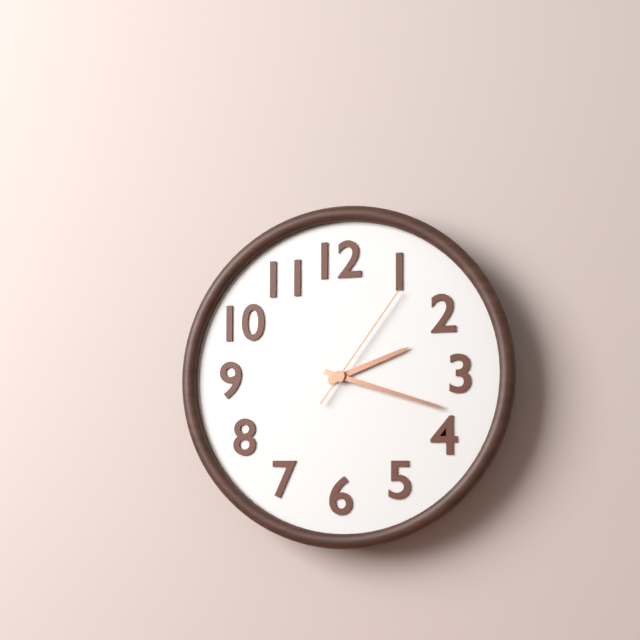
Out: {"hour": 2, "minute": 18, "second": 6}
